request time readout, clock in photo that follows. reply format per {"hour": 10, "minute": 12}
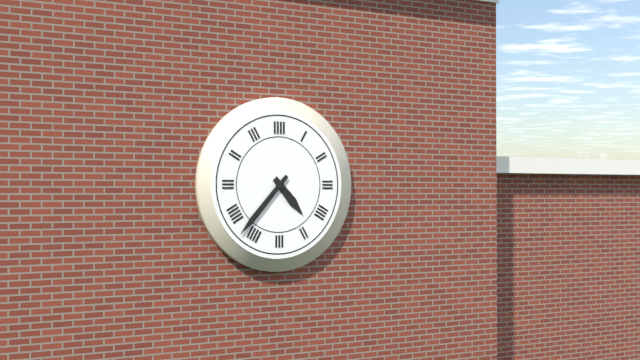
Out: {"hour": 4, "minute": 37}
